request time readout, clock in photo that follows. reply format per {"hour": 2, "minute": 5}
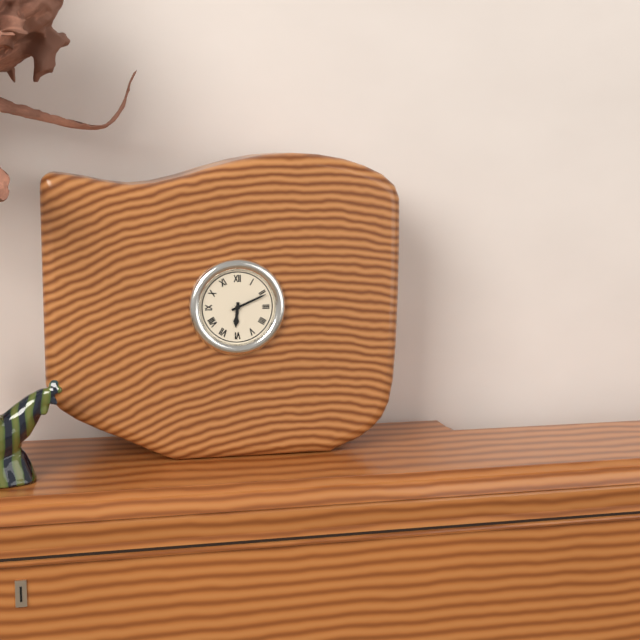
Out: {"hour": 6, "minute": 11}
